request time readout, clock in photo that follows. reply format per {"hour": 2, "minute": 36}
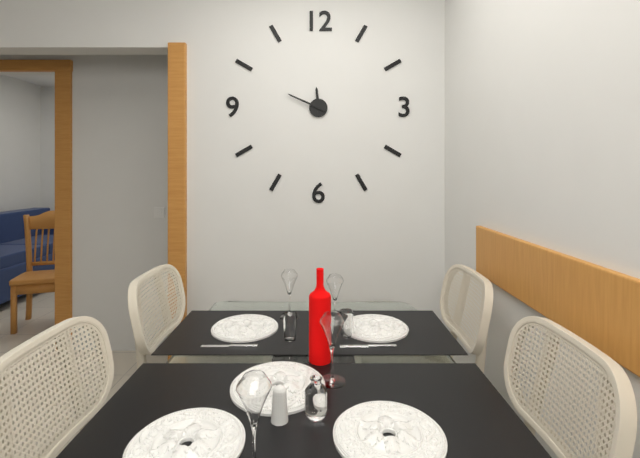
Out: {"hour": 11, "minute": 49}
